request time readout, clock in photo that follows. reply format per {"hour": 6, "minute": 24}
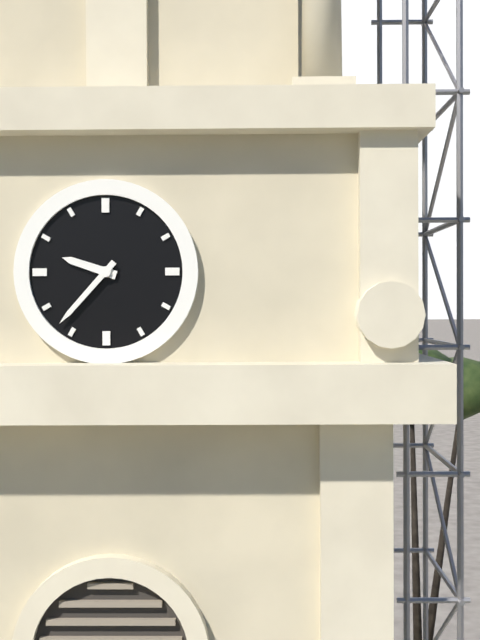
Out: {"hour": 9, "minute": 37}
